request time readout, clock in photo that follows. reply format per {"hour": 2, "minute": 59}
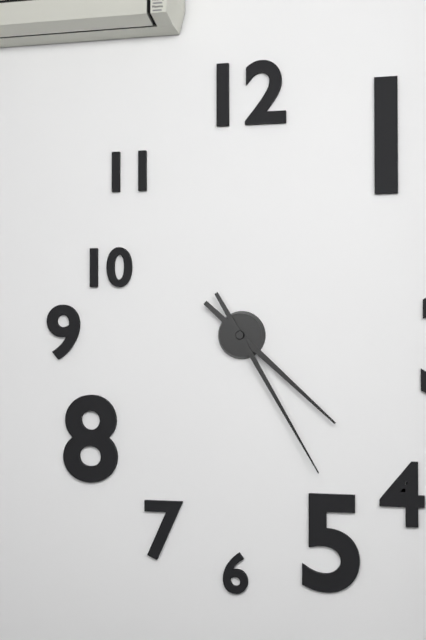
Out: {"hour": 4, "minute": 25}
